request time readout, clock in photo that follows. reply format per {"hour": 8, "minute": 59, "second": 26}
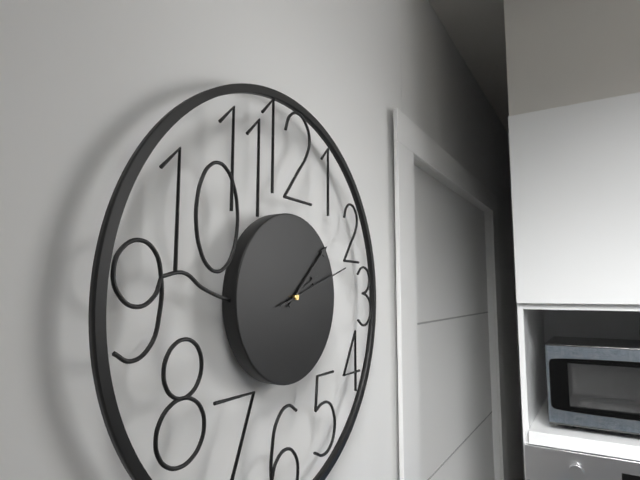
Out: {"hour": 2, "minute": 8, "second": 12}
